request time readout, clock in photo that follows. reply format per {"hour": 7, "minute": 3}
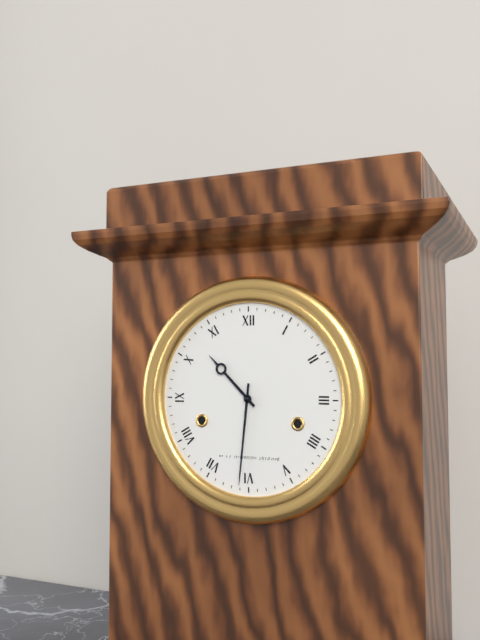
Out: {"hour": 10, "minute": 31}
